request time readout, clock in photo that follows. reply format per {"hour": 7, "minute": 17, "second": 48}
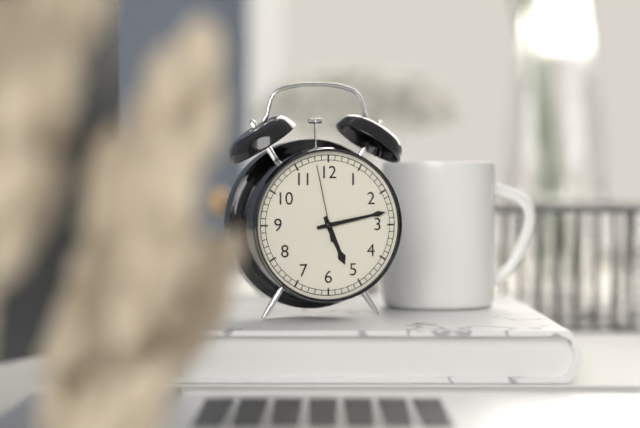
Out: {"hour": 5, "minute": 13, "second": 58}
